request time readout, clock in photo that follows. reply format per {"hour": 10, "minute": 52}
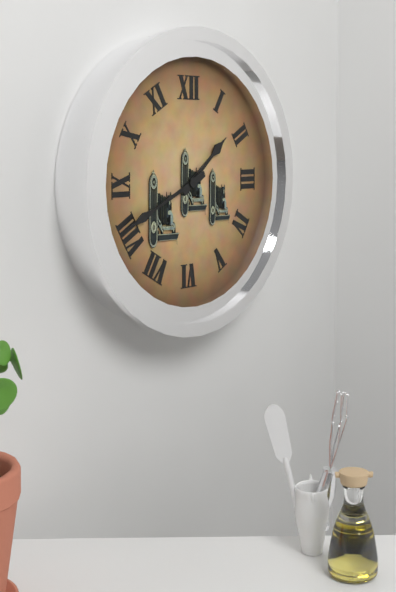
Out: {"hour": 1, "minute": 41}
